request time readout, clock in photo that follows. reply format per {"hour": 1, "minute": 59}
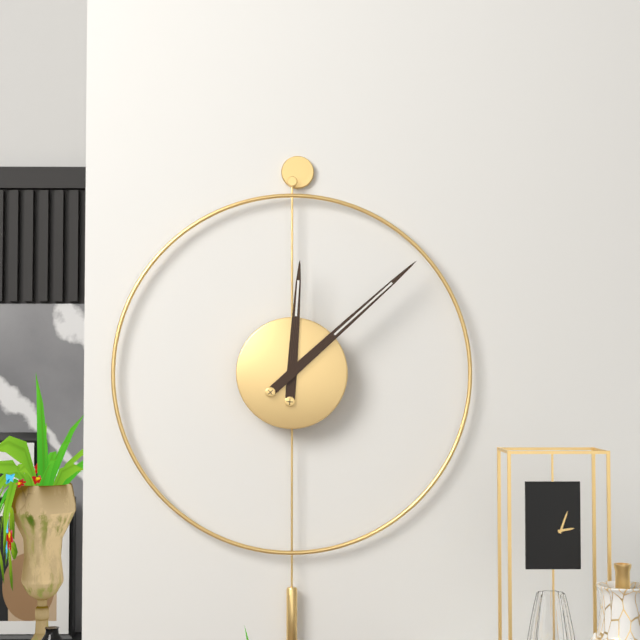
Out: {"hour": 12, "minute": 8}
